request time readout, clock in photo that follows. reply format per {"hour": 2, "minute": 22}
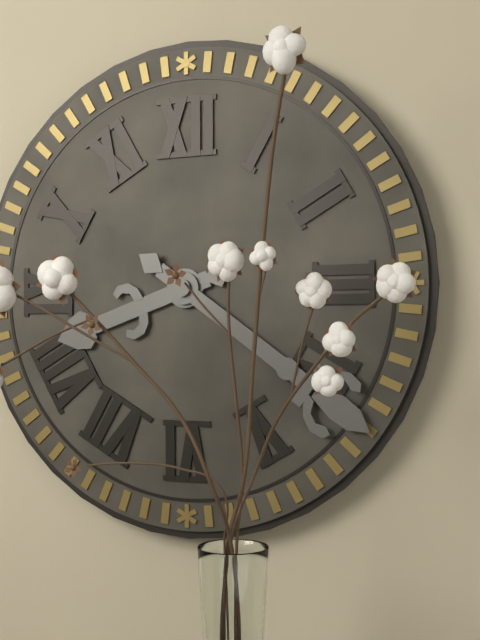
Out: {"hour": 8, "minute": 21}
